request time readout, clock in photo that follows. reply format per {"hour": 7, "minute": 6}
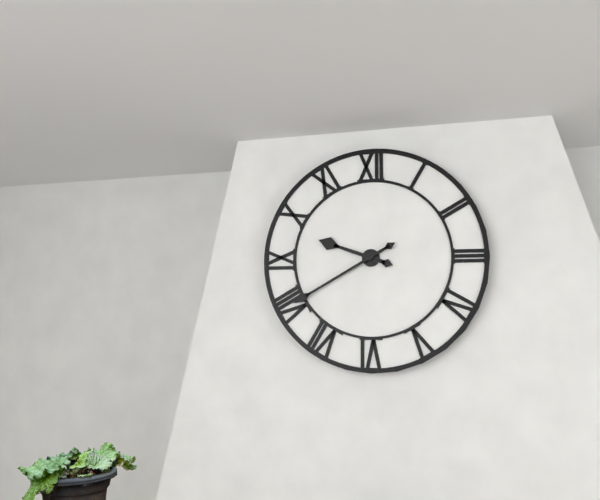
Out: {"hour": 9, "minute": 40}
